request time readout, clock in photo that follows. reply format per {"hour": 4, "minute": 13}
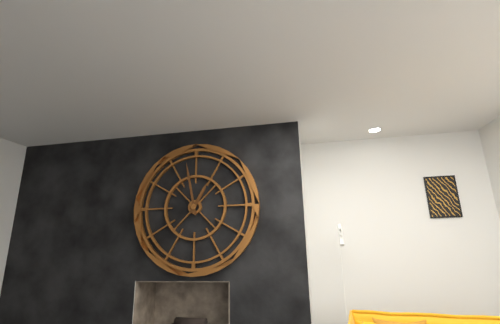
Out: {"hour": 12, "minute": 58}
